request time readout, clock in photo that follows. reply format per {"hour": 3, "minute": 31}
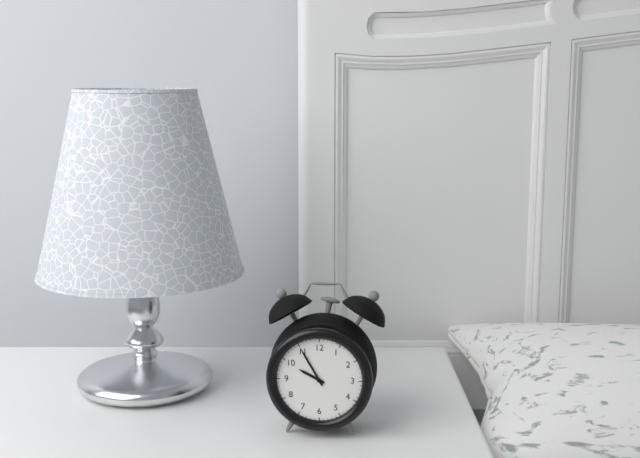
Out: {"hour": 9, "minute": 55}
